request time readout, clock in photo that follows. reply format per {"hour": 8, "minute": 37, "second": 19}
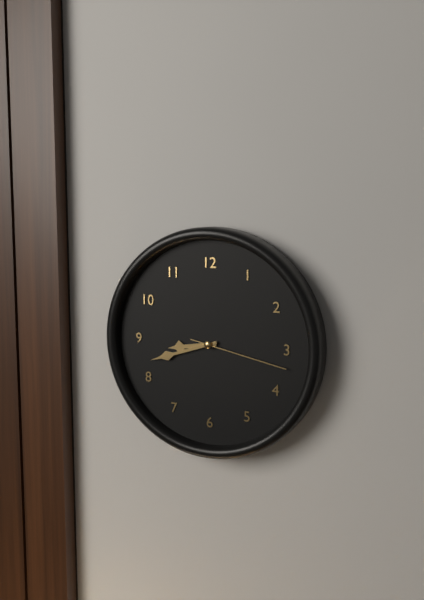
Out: {"hour": 8, "minute": 42, "second": 17}
